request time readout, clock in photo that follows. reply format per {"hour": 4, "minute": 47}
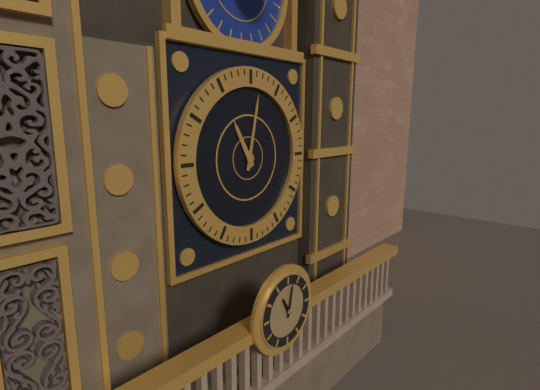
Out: {"hour": 11, "minute": 2}
